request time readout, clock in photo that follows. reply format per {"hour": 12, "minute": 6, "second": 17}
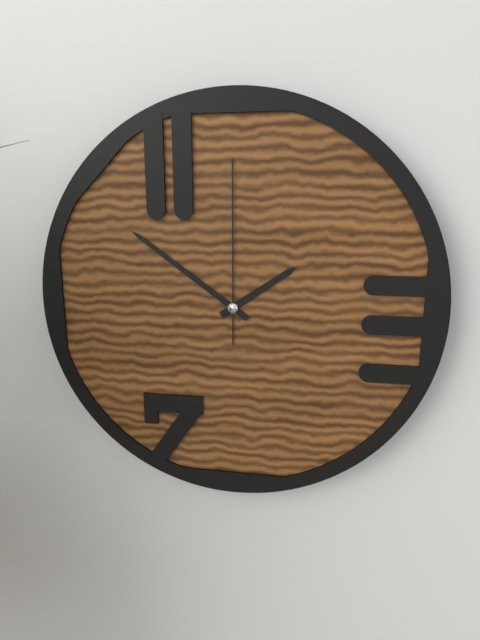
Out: {"hour": 1, "minute": 51, "second": 0}
